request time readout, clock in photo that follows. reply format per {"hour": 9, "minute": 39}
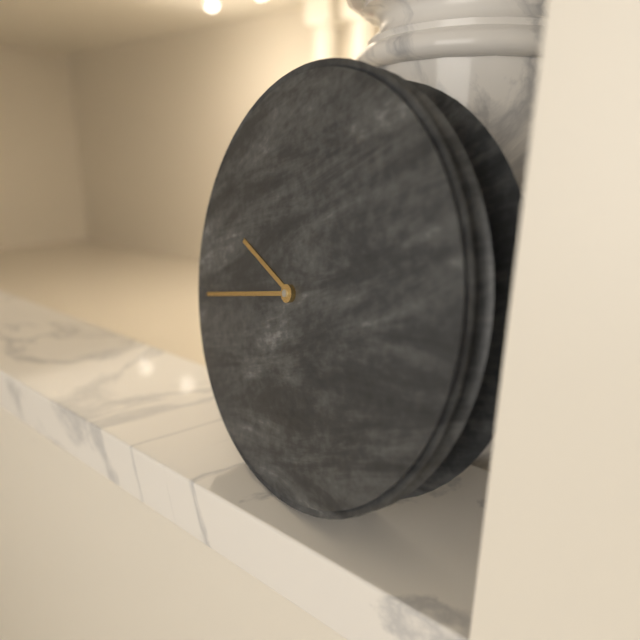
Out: {"hour": 9, "minute": 43}
